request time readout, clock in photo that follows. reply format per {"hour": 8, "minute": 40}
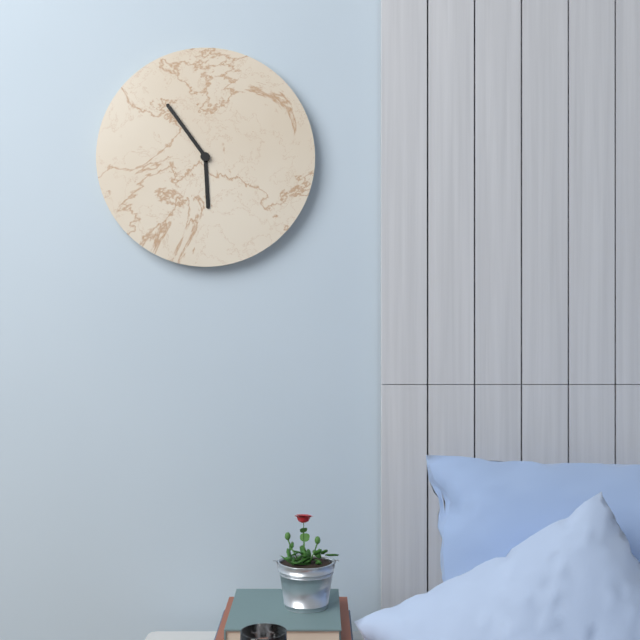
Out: {"hour": 5, "minute": 54}
